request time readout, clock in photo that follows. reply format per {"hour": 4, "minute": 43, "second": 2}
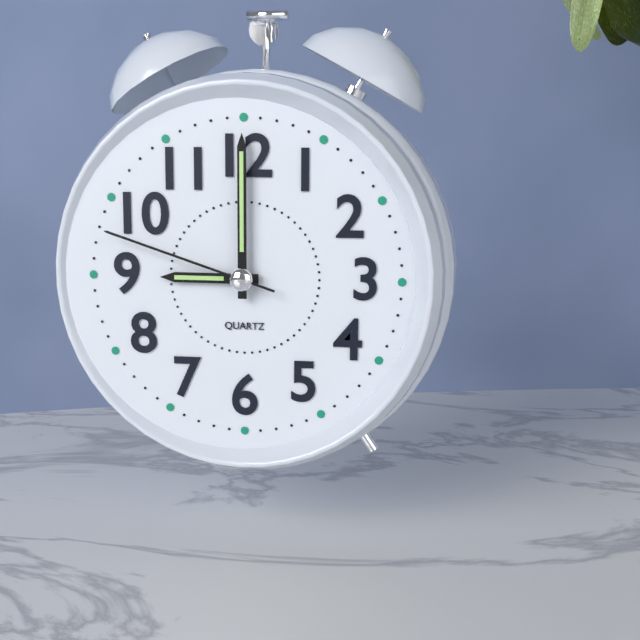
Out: {"hour": 9, "minute": 0, "second": 48}
